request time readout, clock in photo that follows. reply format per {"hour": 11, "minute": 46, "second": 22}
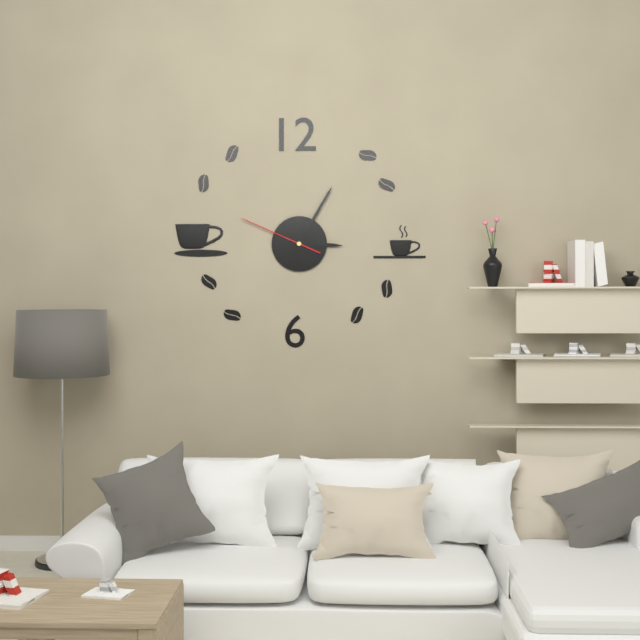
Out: {"hour": 3, "minute": 5, "second": 49}
